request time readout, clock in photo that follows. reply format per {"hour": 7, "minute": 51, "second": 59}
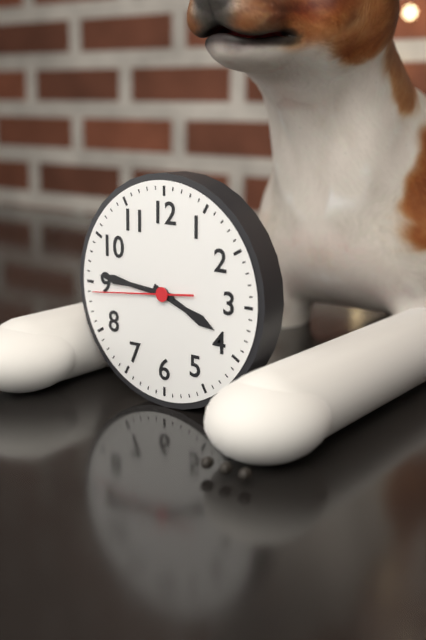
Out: {"hour": 3, "minute": 46, "second": 44}
